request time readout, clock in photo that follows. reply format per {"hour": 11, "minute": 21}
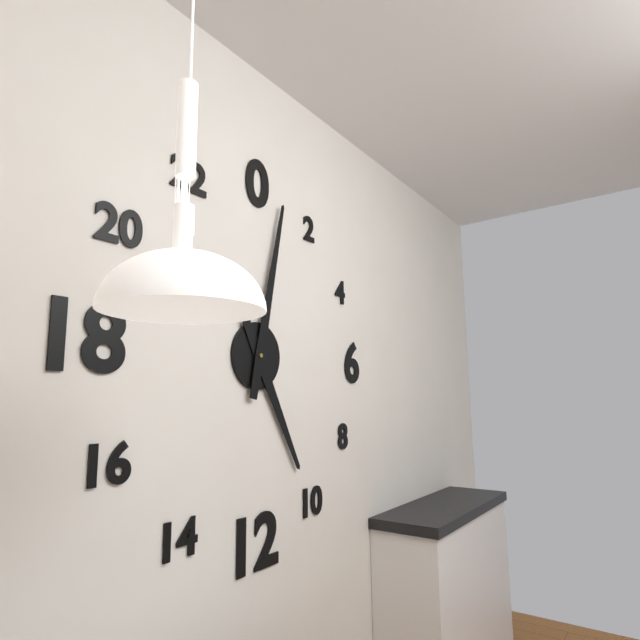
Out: {"hour": 5, "minute": 2}
